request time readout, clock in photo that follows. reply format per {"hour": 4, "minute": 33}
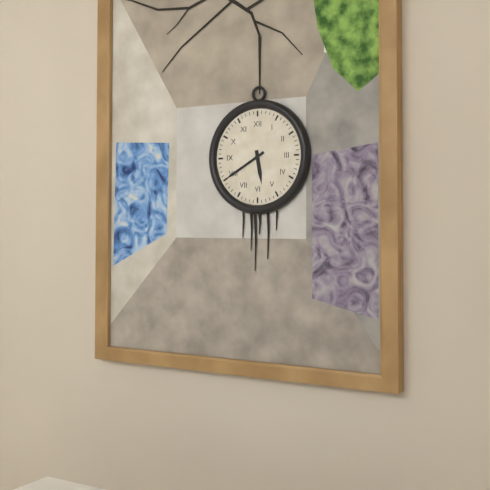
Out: {"hour": 5, "minute": 40}
